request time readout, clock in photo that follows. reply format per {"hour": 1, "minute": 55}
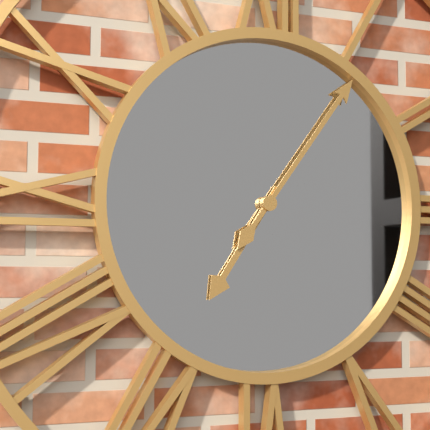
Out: {"hour": 7, "minute": 6}
